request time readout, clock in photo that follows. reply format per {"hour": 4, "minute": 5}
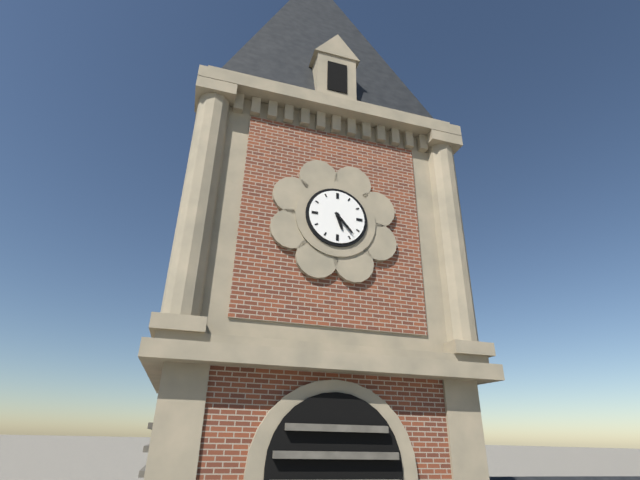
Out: {"hour": 5, "minute": 23}
